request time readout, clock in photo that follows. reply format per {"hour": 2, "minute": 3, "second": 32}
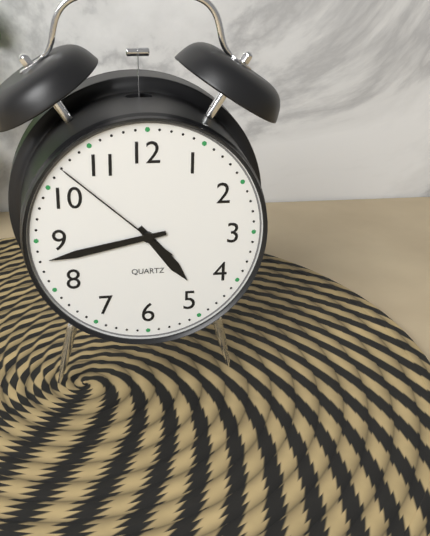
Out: {"hour": 4, "minute": 43, "second": 52}
